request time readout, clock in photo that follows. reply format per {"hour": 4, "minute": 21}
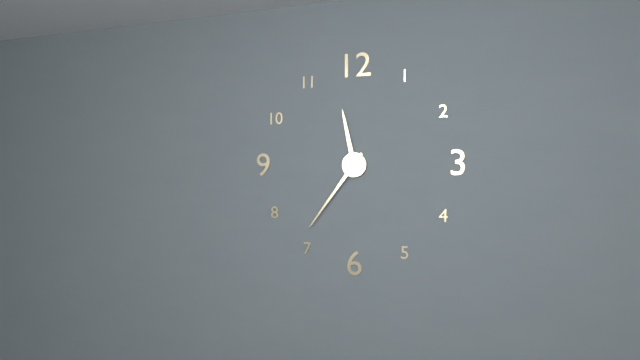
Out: {"hour": 11, "minute": 36}
